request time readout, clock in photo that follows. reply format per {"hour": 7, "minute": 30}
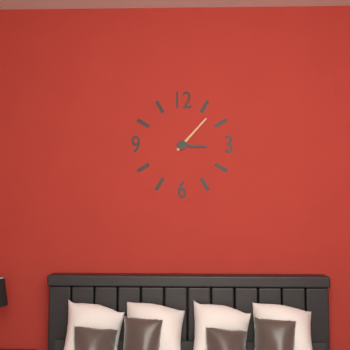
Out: {"hour": 3, "minute": 7}
